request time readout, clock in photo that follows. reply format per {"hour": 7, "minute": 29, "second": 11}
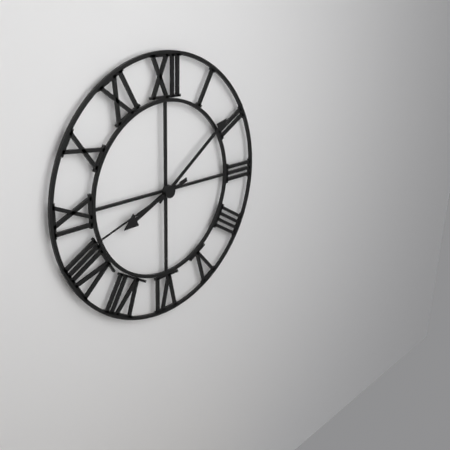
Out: {"hour": 8, "minute": 9, "second": 42}
